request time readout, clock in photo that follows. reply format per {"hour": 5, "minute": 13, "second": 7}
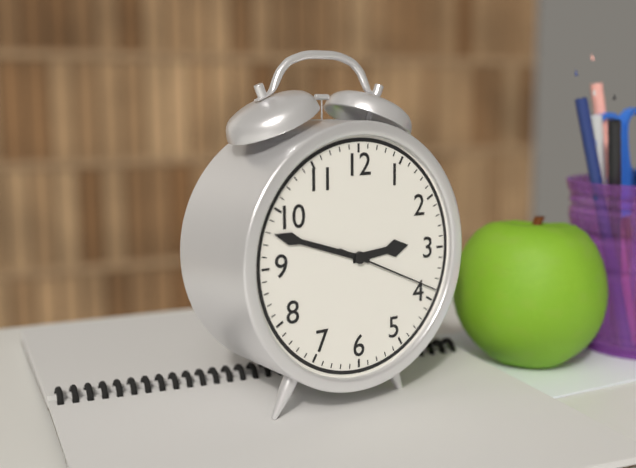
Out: {"hour": 2, "minute": 48, "second": 19}
